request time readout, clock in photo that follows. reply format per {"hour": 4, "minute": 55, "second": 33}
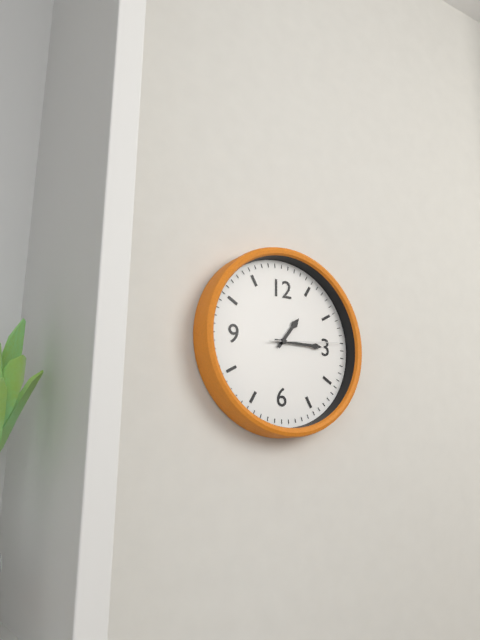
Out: {"hour": 1, "minute": 15, "second": 14}
